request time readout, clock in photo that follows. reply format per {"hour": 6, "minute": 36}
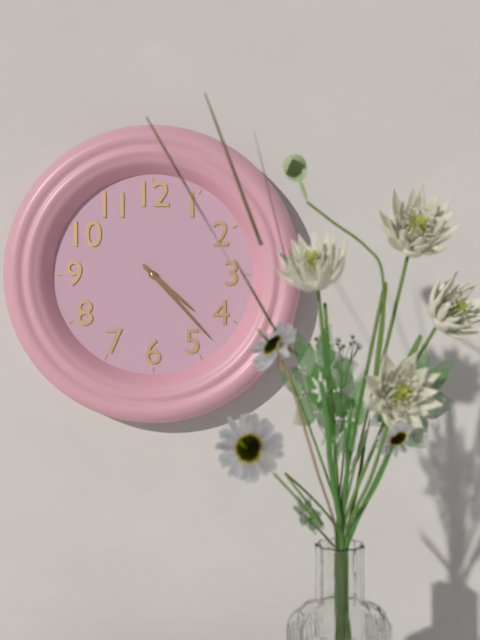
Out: {"hour": 4, "minute": 23}
